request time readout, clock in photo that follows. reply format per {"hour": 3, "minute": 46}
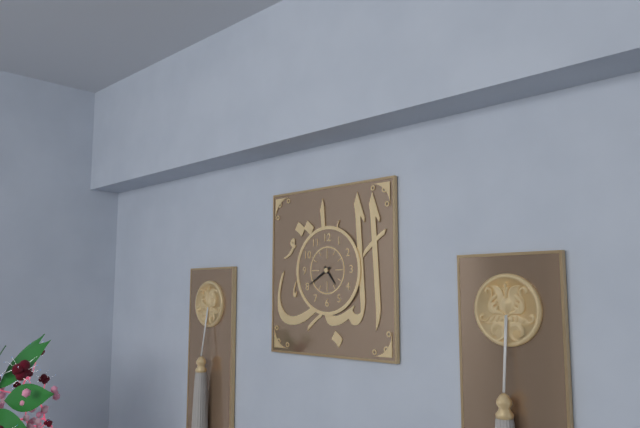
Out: {"hour": 4, "minute": 40}
